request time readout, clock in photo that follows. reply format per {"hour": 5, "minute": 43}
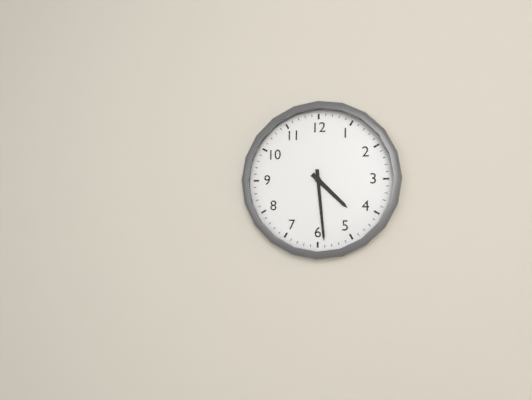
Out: {"hour": 4, "minute": 29}
